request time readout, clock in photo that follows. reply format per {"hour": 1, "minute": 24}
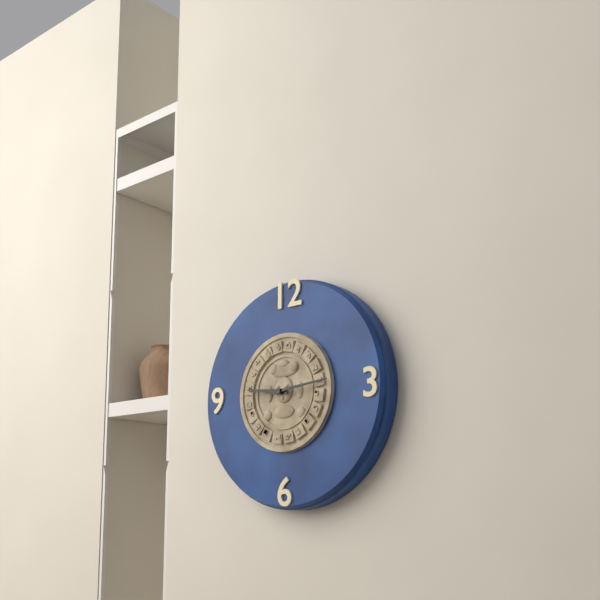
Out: {"hour": 9, "minute": 14}
